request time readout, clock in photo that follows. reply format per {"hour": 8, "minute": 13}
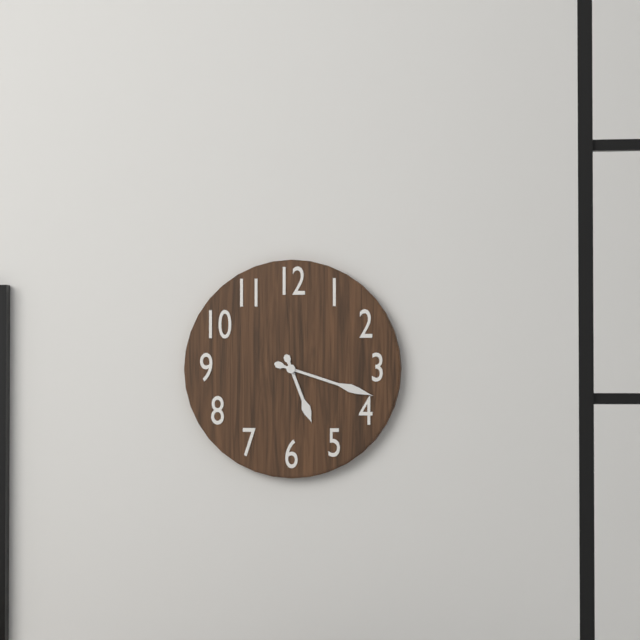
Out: {"hour": 5, "minute": 18}
